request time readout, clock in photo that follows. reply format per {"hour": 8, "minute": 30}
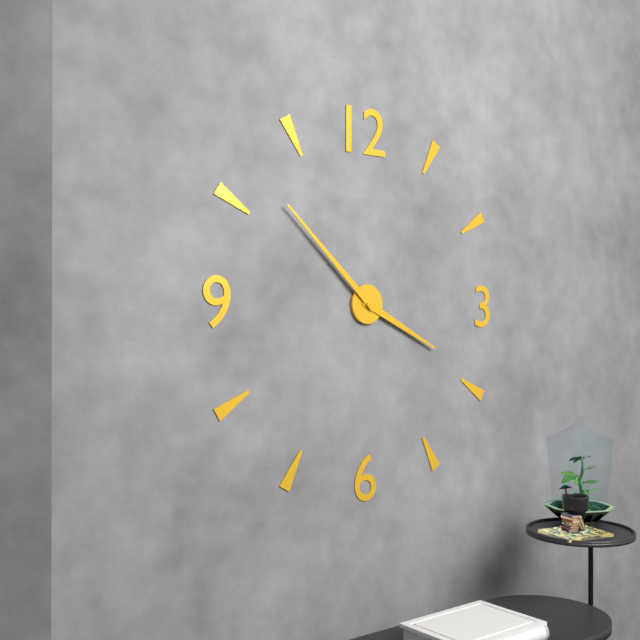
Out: {"hour": 3, "minute": 52}
